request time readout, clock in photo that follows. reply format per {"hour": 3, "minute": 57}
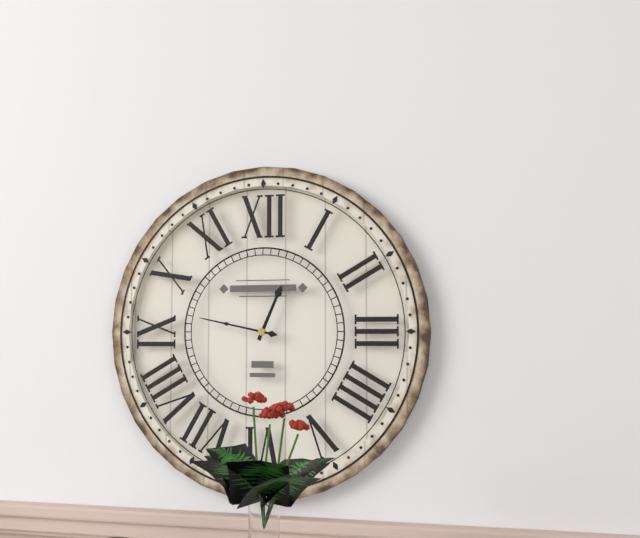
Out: {"hour": 12, "minute": 47}
